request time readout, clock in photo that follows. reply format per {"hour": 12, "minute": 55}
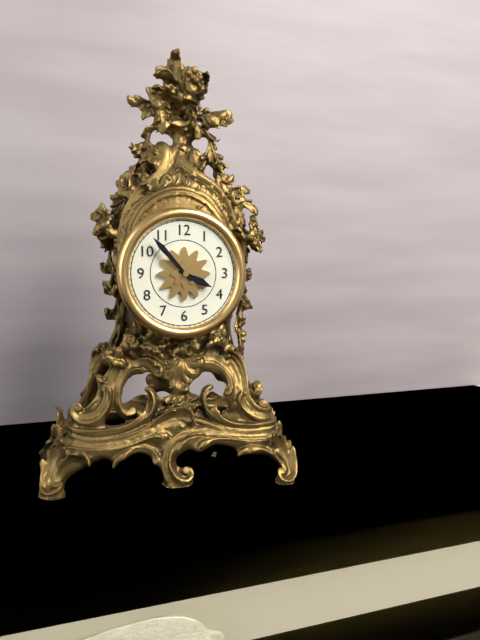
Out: {"hour": 3, "minute": 53}
